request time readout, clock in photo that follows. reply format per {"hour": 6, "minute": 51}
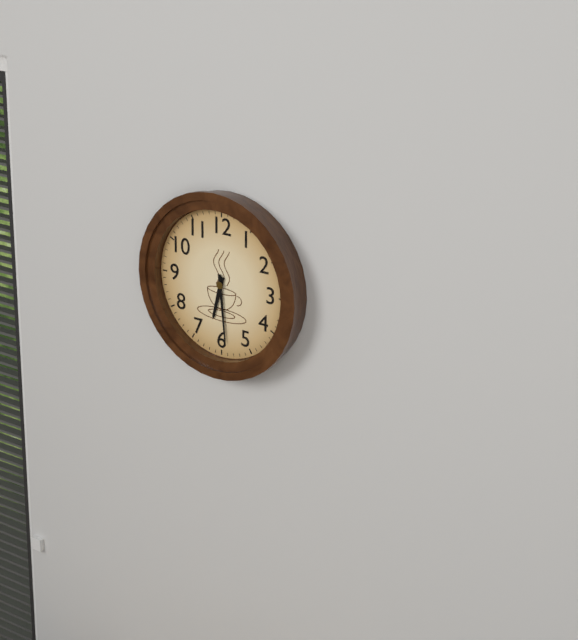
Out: {"hour": 6, "minute": 29}
